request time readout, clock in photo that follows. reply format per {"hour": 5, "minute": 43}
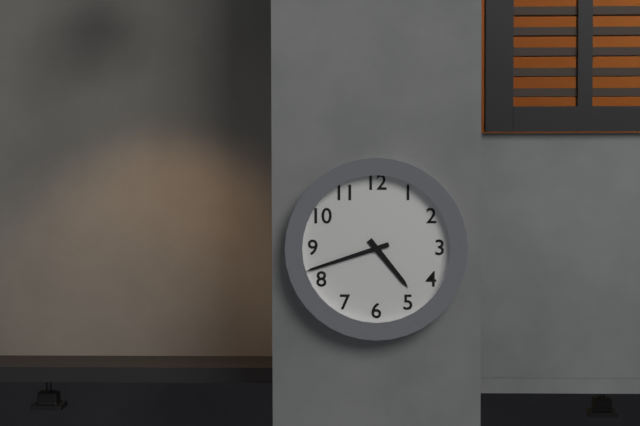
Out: {"hour": 4, "minute": 42}
